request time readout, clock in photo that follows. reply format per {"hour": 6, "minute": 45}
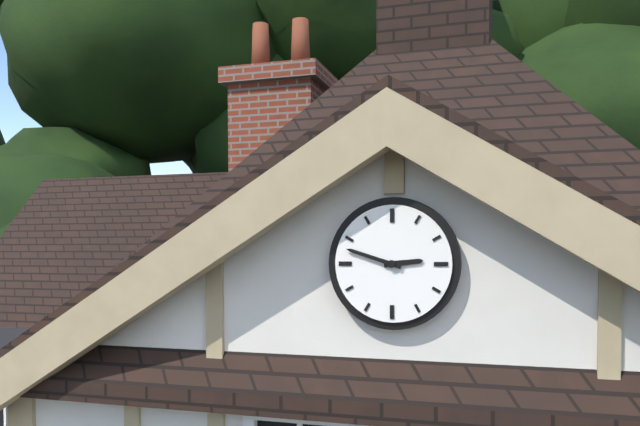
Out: {"hour": 2, "minute": 48}
